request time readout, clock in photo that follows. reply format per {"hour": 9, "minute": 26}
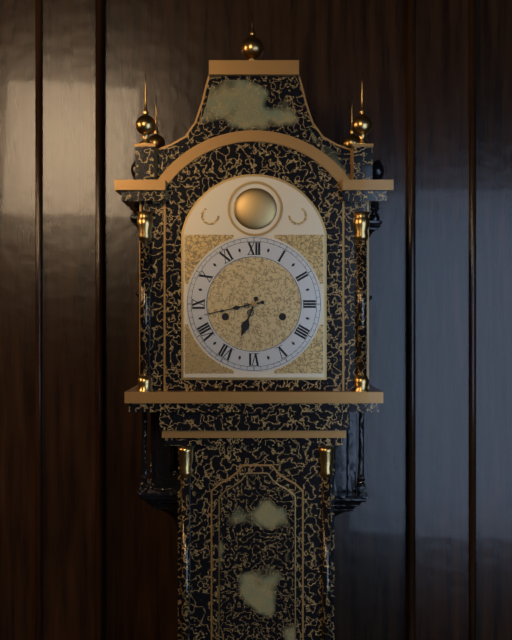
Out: {"hour": 6, "minute": 43}
